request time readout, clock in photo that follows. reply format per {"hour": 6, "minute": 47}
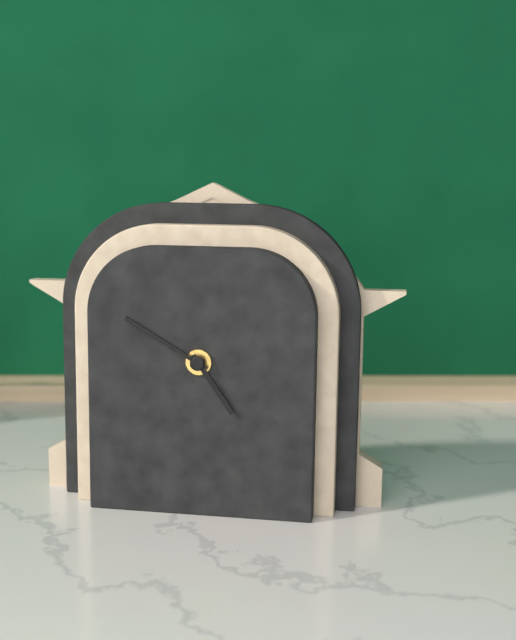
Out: {"hour": 4, "minute": 50}
